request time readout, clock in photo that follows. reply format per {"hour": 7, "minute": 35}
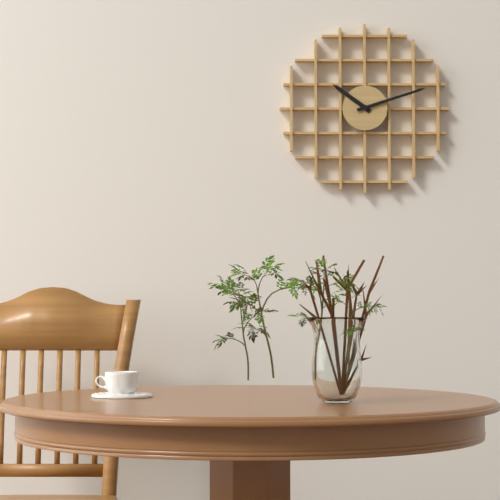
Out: {"hour": 10, "minute": 12}
